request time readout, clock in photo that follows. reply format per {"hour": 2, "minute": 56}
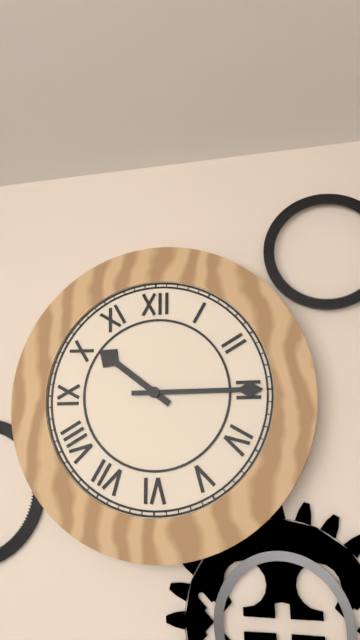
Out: {"hour": 10, "minute": 15}
